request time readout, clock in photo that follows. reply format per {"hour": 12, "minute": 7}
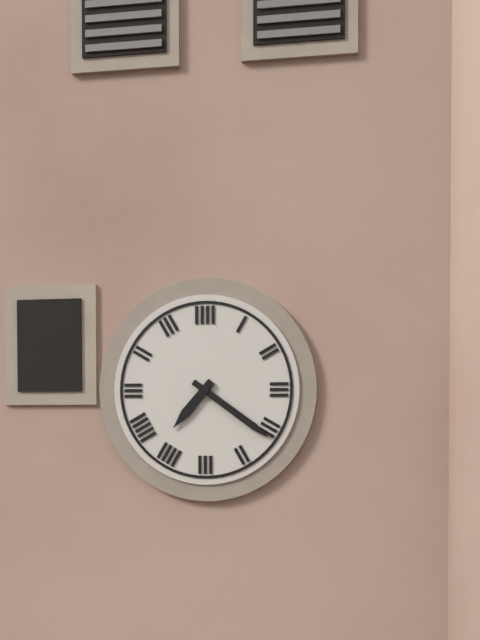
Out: {"hour": 7, "minute": 21}
